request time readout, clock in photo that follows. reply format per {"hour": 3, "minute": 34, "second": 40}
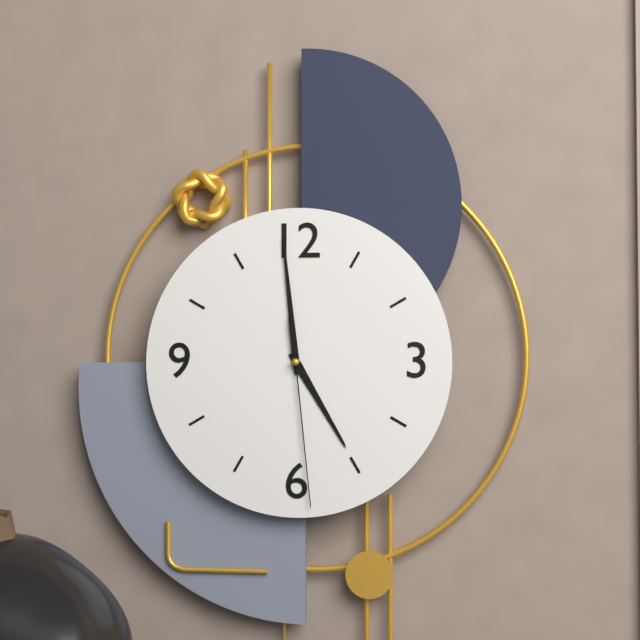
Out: {"hour": 4, "minute": 59, "second": 29}
